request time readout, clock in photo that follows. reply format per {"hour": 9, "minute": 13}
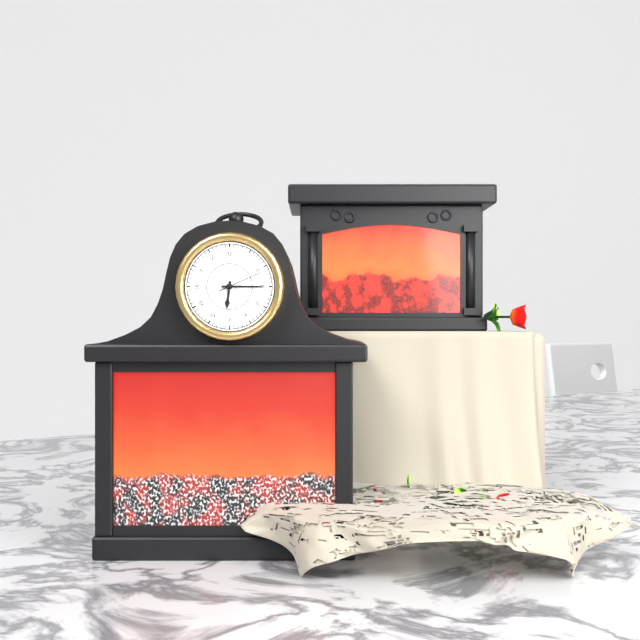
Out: {"hour": 6, "minute": 15}
